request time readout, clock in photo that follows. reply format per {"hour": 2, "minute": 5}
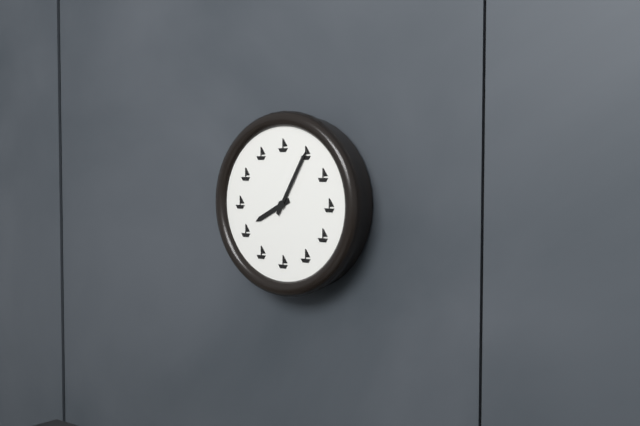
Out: {"hour": 8, "minute": 5}
